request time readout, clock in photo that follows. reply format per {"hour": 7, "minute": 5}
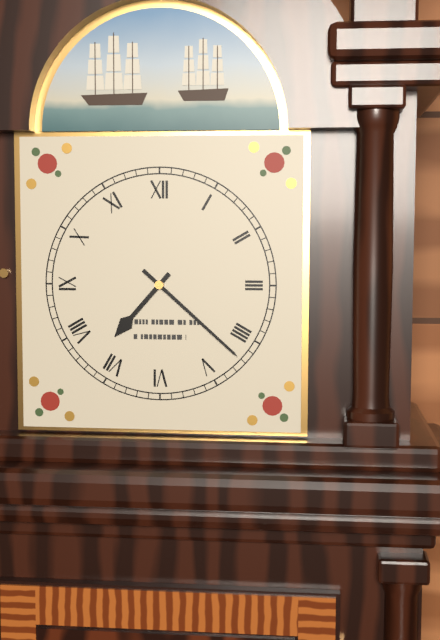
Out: {"hour": 7, "minute": 22}
